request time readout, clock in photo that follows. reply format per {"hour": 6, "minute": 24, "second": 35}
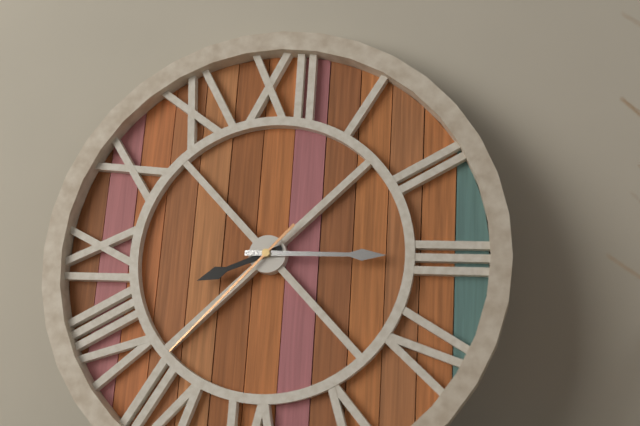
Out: {"hour": 8, "minute": 15, "second": 37}
